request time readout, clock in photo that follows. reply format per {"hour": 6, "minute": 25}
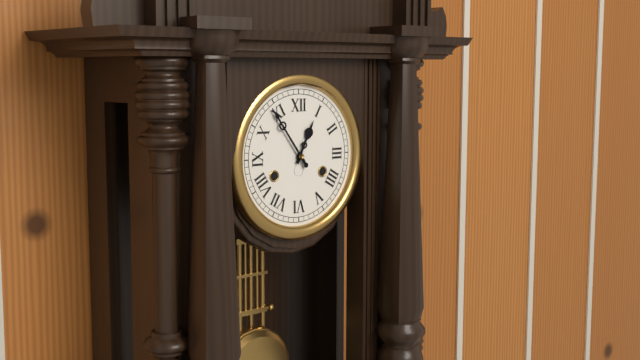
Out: {"hour": 12, "minute": 54}
